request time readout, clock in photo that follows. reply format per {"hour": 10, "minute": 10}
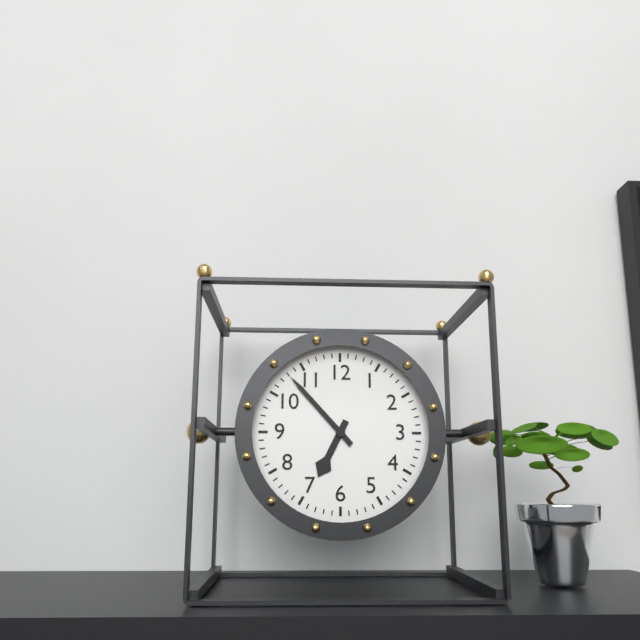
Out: {"hour": 6, "minute": 53}
